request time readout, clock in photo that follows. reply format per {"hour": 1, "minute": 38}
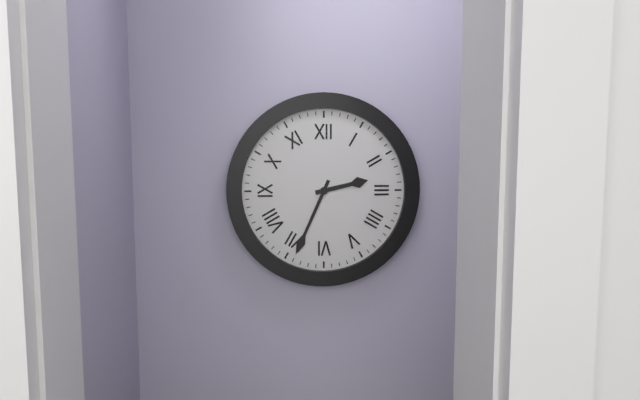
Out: {"hour": 2, "minute": 34}
